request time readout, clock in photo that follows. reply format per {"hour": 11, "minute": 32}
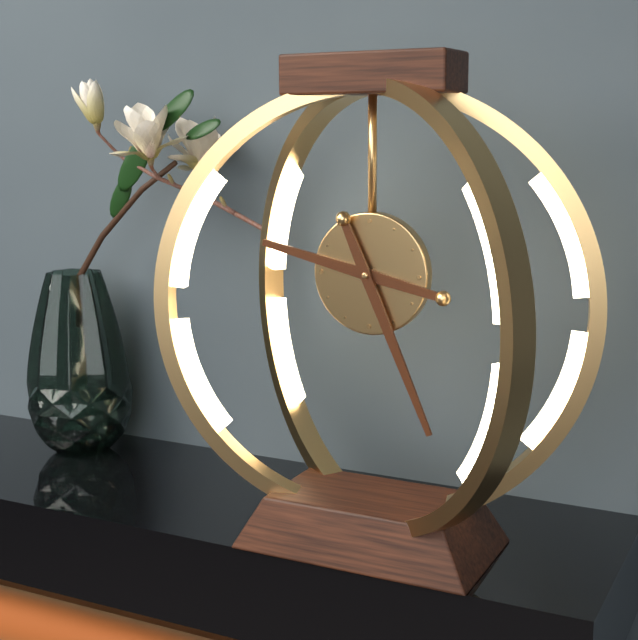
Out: {"hour": 9, "minute": 26}
